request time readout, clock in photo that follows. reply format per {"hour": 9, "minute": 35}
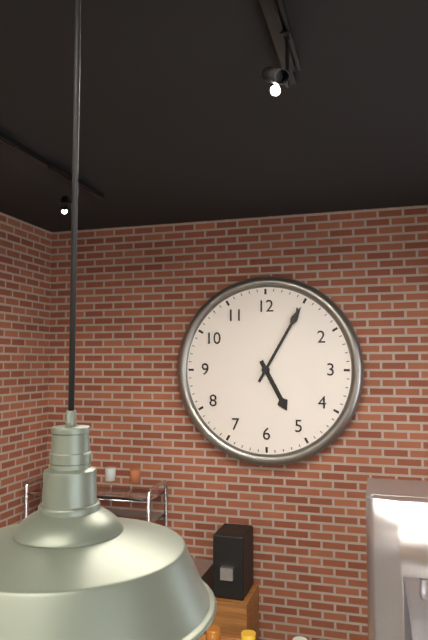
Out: {"hour": 5, "minute": 5}
